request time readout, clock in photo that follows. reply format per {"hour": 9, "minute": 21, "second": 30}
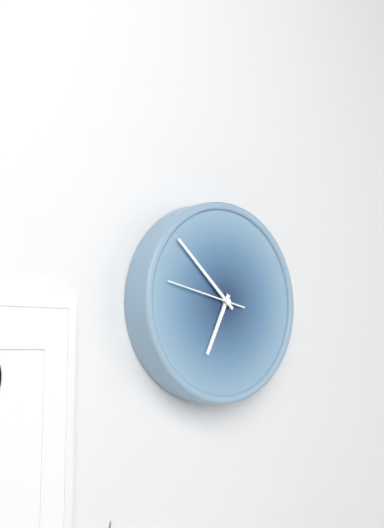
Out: {"hour": 6, "minute": 52, "second": 47}
